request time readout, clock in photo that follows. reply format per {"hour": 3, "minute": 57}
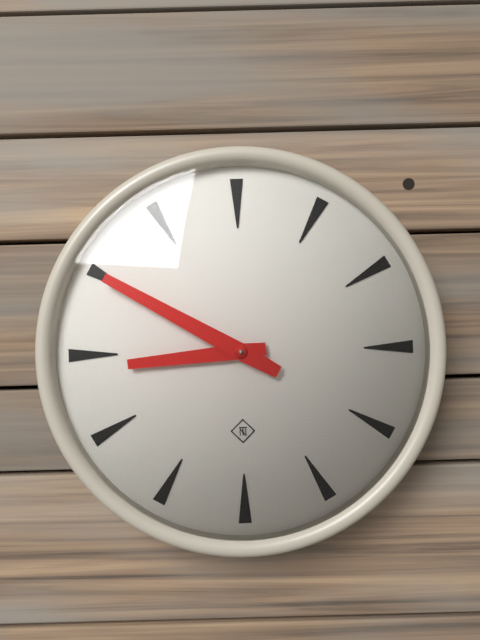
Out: {"hour": 8, "minute": 50}
